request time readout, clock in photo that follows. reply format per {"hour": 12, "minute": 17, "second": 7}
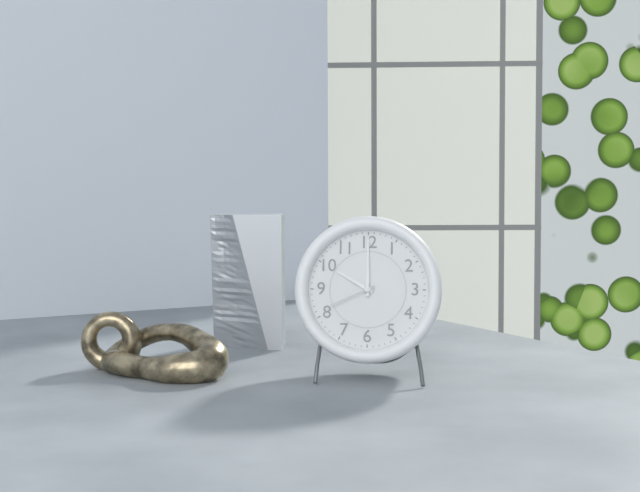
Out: {"hour": 10, "minute": 0, "second": 41}
